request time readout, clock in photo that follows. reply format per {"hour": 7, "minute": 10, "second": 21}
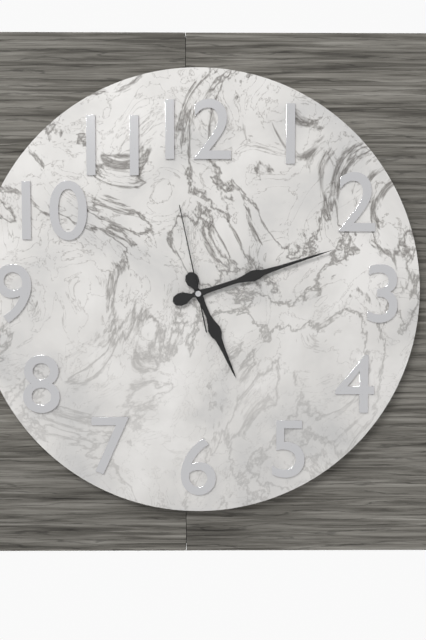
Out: {"hour": 5, "minute": 12, "second": 58}
